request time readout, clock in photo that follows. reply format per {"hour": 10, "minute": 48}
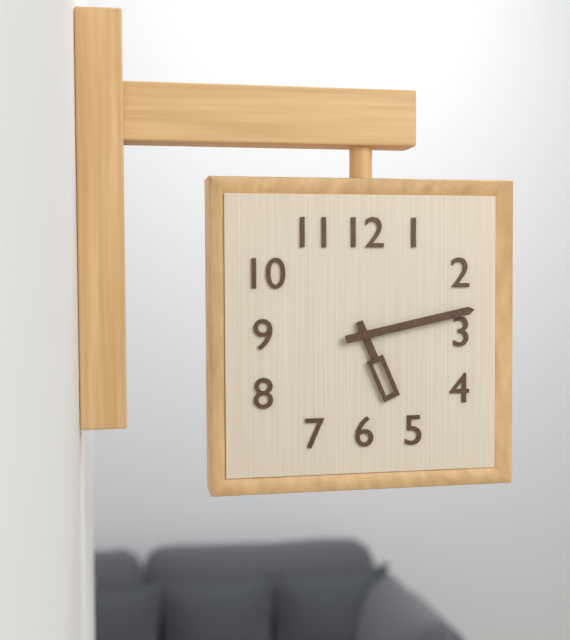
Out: {"hour": 5, "minute": 13}
